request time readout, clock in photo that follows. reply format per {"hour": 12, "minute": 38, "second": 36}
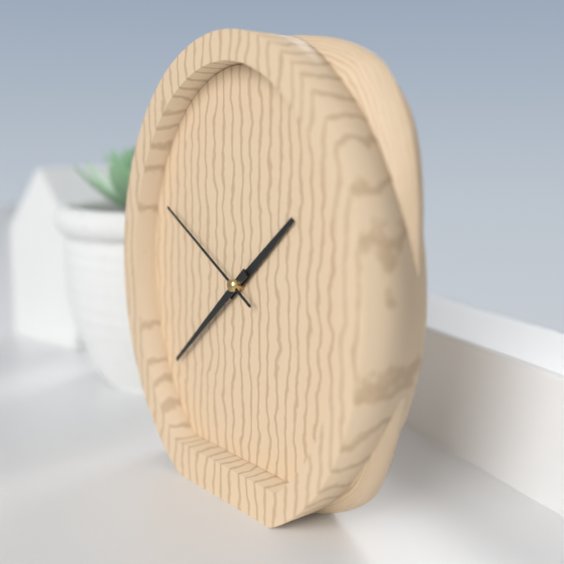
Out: {"hour": 1, "minute": 38, "second": 50}
